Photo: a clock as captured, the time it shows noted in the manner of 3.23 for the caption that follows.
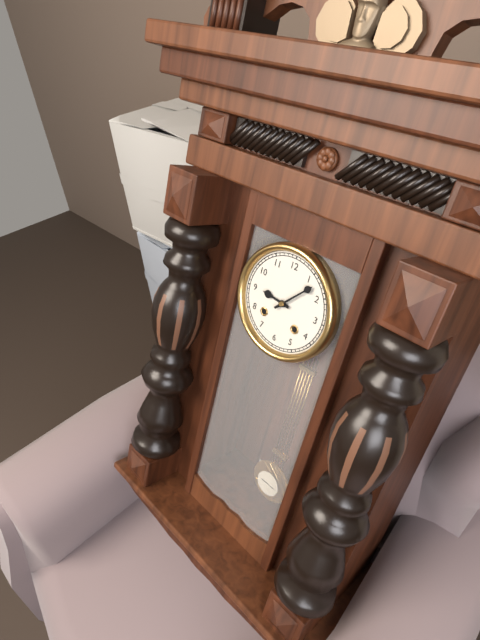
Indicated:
9.07
